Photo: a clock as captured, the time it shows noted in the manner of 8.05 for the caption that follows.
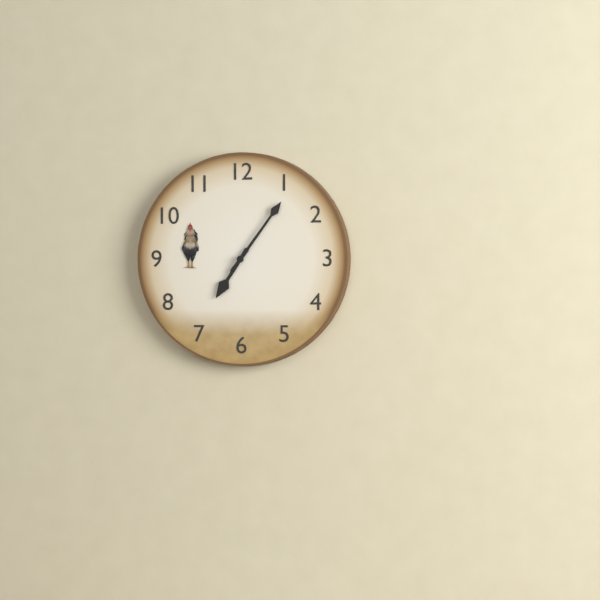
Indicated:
7.06
